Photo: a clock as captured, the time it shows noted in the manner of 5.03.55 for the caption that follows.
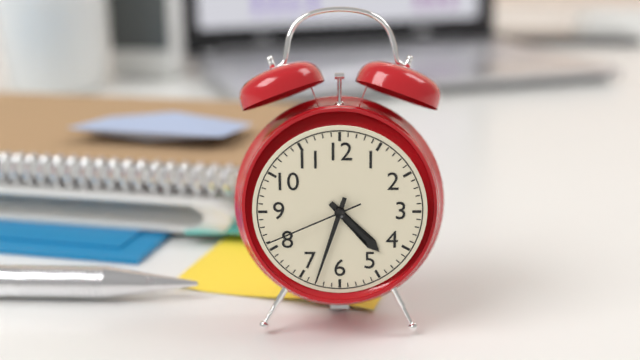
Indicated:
4.33.41
